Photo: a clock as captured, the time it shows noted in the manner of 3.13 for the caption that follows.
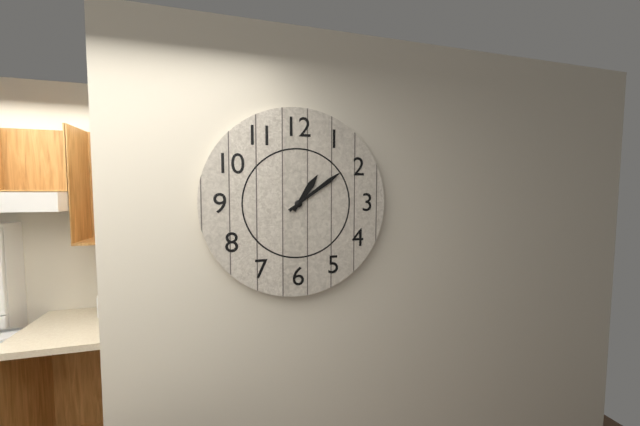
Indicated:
1.09
